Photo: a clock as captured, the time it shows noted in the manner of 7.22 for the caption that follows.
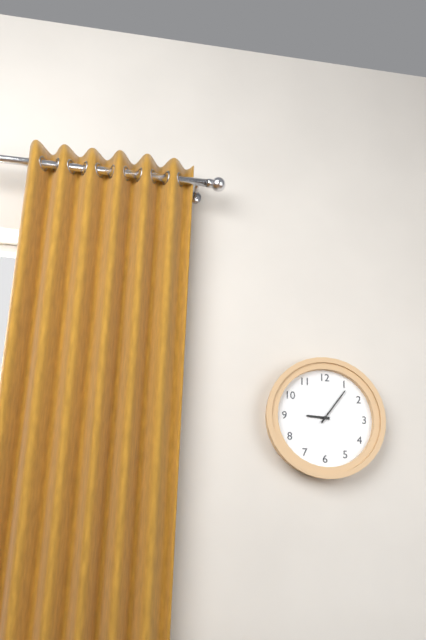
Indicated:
9.06
